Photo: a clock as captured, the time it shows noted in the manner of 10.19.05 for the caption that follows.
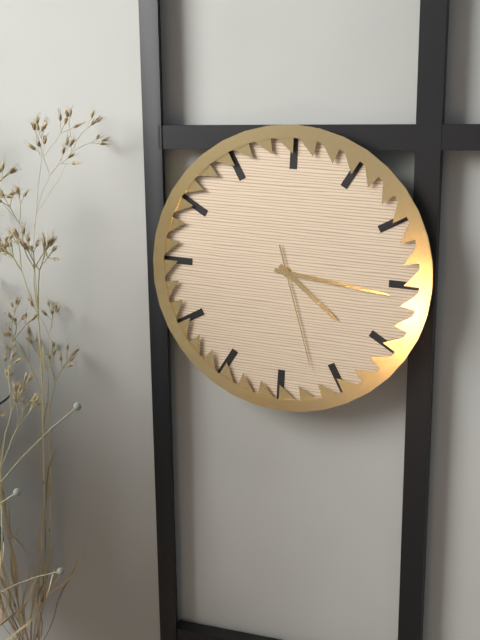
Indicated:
4.16.27
